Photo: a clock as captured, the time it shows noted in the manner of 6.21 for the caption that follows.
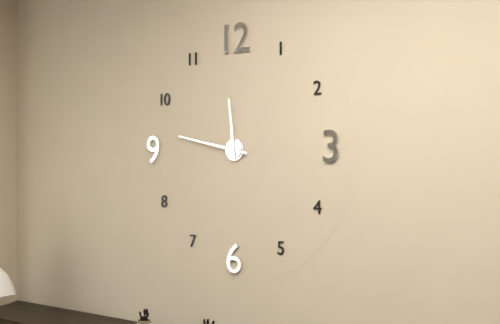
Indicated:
11.47
